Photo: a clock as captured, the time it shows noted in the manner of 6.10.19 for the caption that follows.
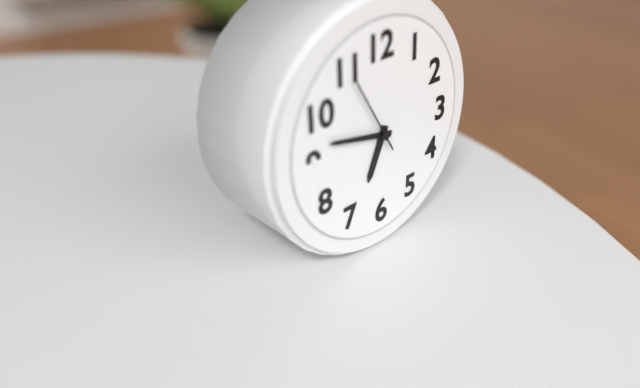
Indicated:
6.47.55
